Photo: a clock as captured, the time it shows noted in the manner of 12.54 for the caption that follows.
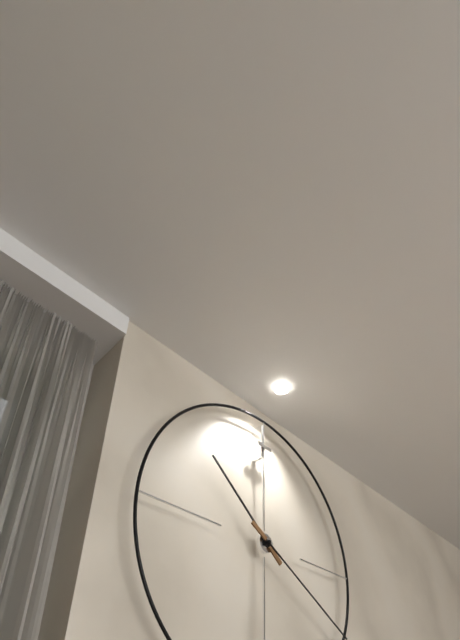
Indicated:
10.20
